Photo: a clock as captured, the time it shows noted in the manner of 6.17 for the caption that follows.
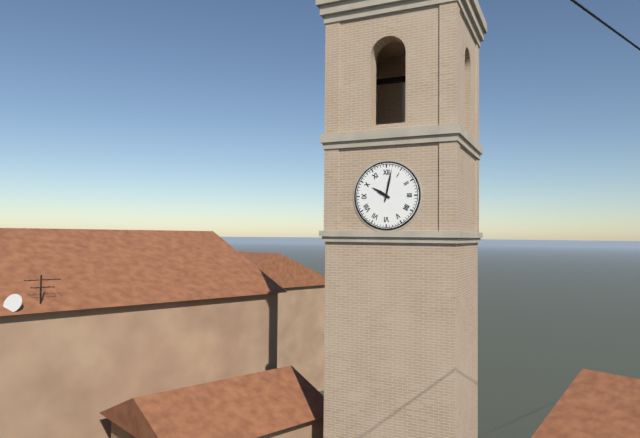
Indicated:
10.02
